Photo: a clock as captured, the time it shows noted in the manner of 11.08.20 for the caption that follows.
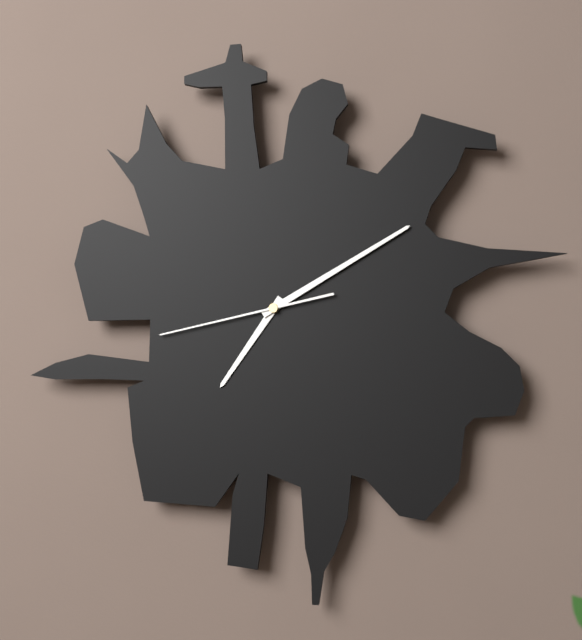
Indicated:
7.10.43
